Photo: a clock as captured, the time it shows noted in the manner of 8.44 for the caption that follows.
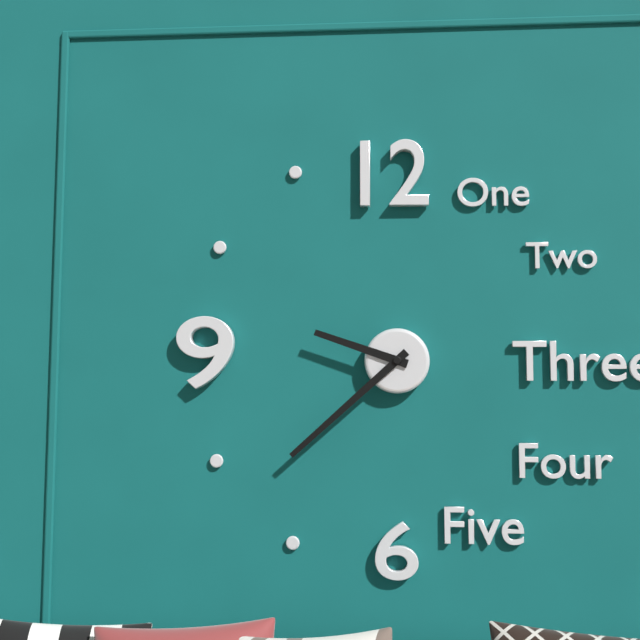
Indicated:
9.38
